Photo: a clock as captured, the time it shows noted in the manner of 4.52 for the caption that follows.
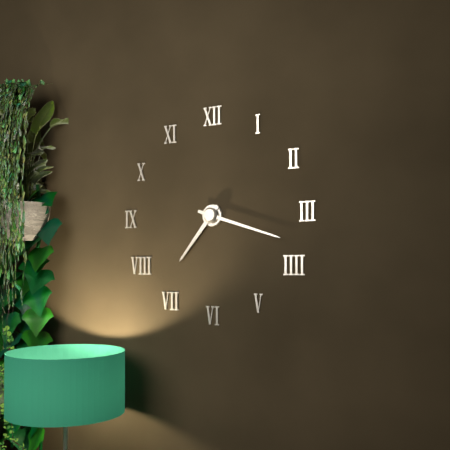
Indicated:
7.18
